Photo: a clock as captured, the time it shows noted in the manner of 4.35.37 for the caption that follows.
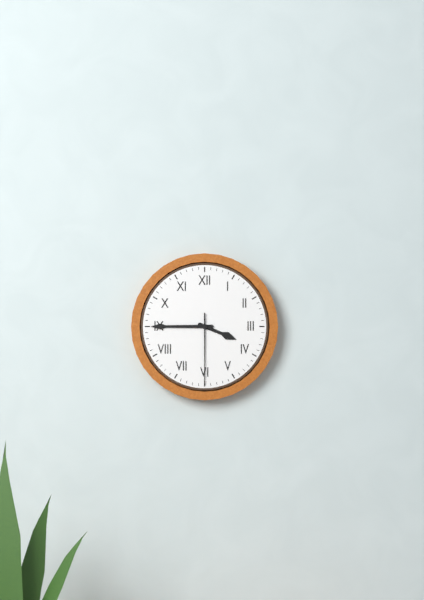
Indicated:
3.45.30
